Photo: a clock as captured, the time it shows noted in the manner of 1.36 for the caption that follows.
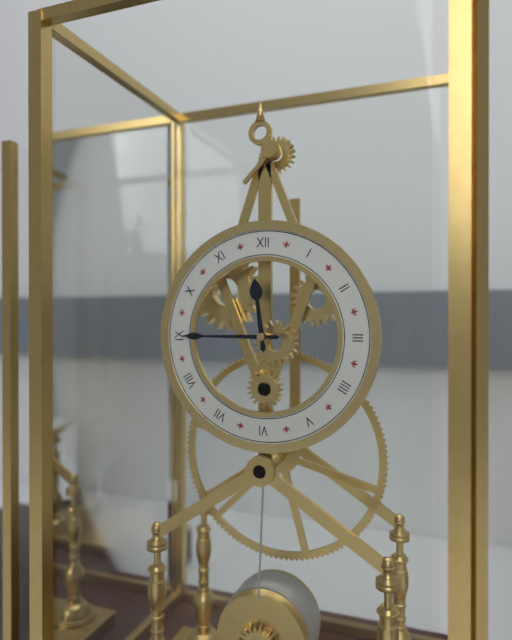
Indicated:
11.45
